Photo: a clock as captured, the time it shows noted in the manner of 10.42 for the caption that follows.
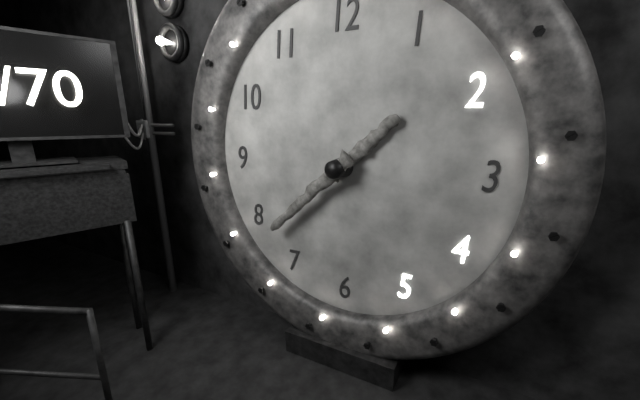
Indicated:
1.38
